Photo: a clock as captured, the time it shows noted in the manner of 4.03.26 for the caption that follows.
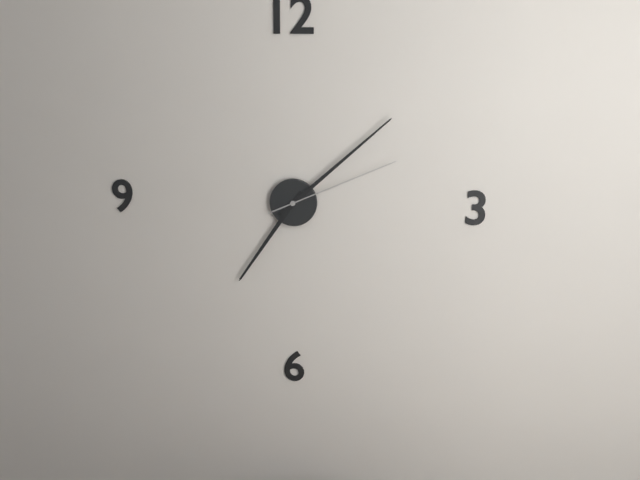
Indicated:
7.08.11
